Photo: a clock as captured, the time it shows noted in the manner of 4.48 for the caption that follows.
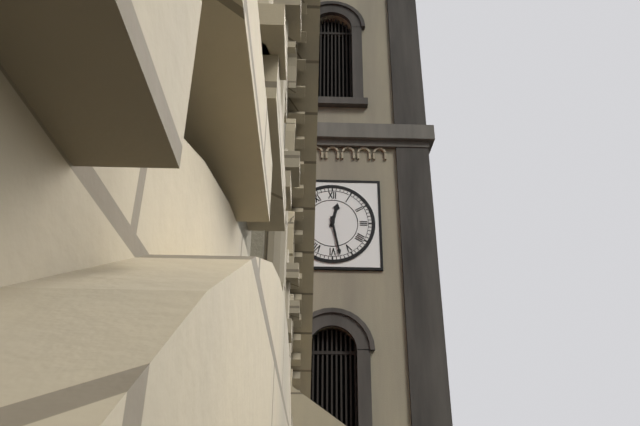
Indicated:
12.28
